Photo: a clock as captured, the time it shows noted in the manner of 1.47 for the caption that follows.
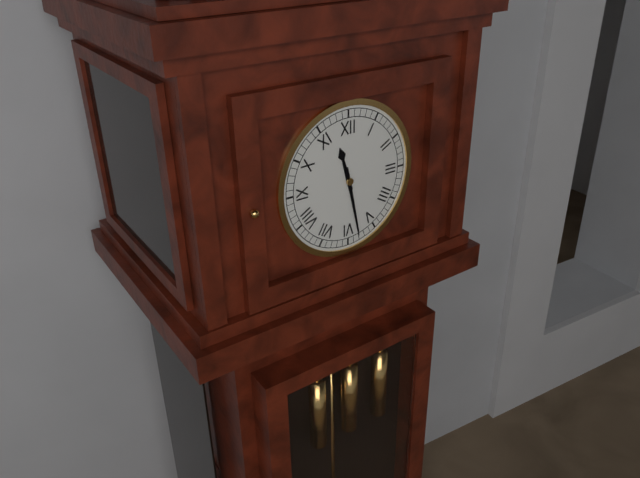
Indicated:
11.28
